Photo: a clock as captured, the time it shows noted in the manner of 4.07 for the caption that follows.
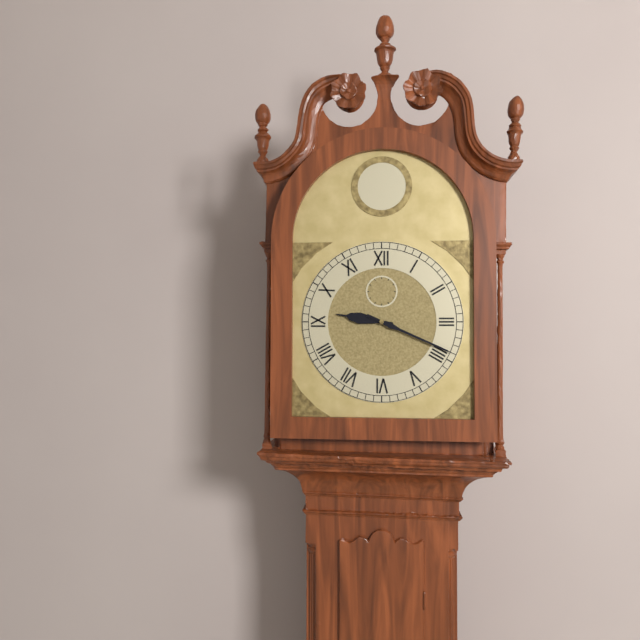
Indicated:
9.19
